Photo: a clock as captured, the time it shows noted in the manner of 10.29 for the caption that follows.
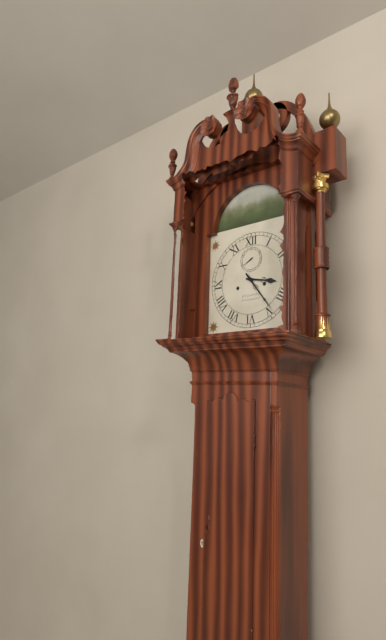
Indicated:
3.24
